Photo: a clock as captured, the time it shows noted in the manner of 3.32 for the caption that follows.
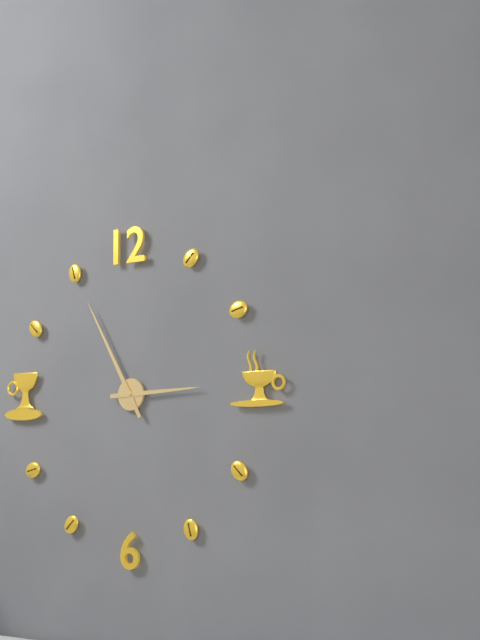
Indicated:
2.55
